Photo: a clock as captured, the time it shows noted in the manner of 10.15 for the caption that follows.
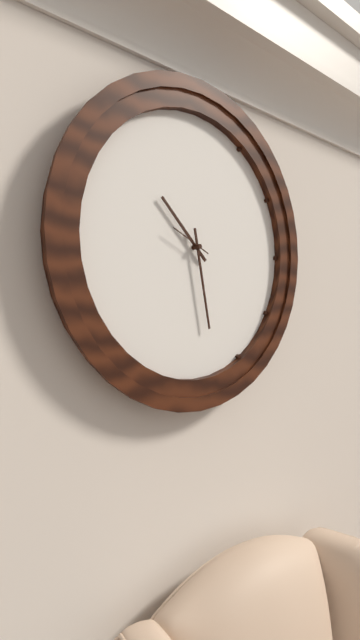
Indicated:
10.28
